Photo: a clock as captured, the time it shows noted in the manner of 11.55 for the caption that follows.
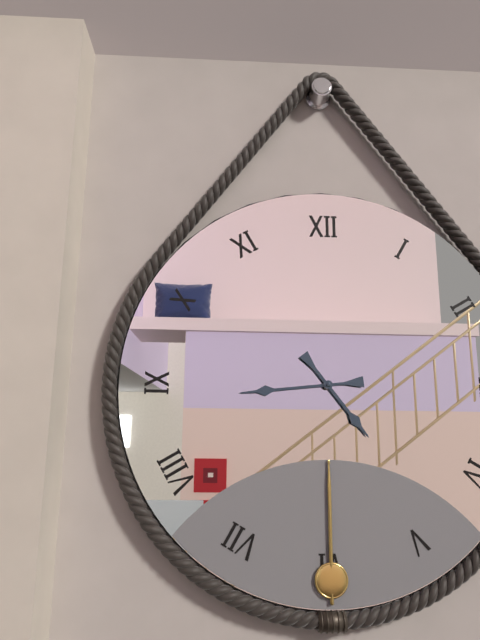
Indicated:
4.44
